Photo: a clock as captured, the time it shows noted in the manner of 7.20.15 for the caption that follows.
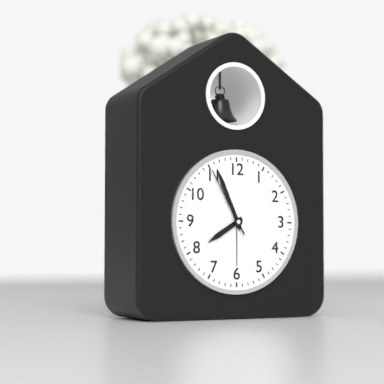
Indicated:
7.56.55
